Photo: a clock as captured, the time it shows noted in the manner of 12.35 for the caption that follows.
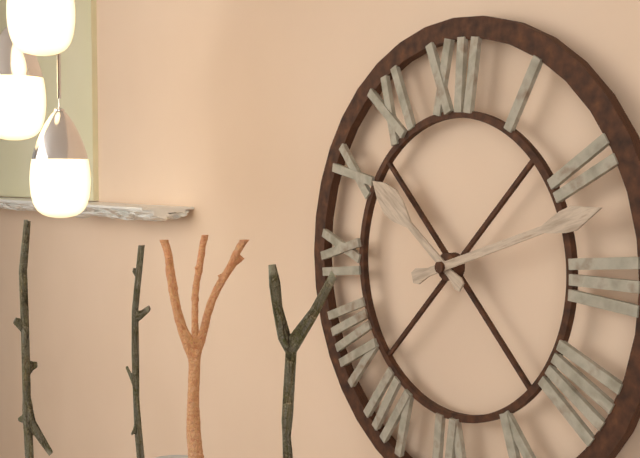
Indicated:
10.12
